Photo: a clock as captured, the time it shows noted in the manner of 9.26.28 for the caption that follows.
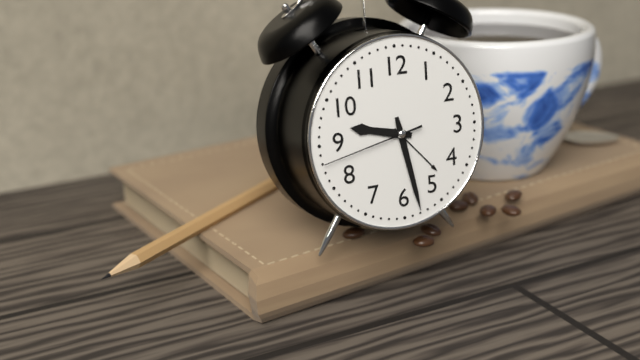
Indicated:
9.28.43
